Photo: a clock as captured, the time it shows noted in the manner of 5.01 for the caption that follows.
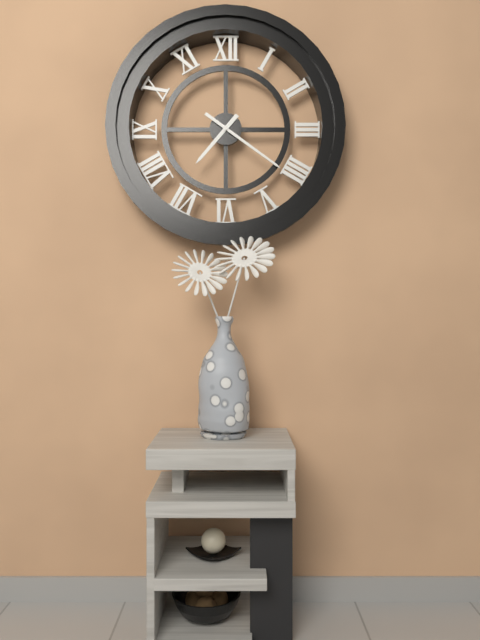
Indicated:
7.21
